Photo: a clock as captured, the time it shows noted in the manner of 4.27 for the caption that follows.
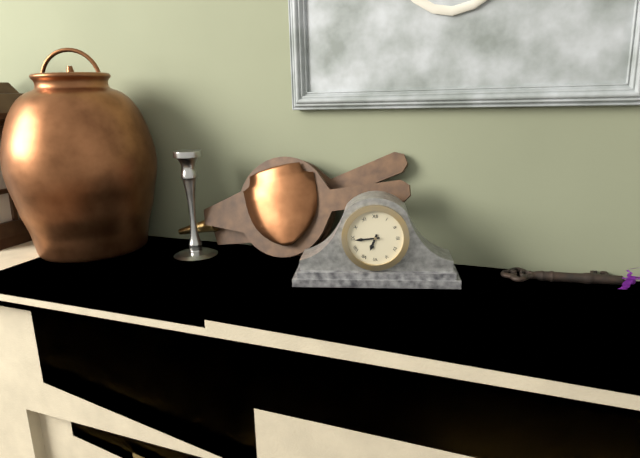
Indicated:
6.44
